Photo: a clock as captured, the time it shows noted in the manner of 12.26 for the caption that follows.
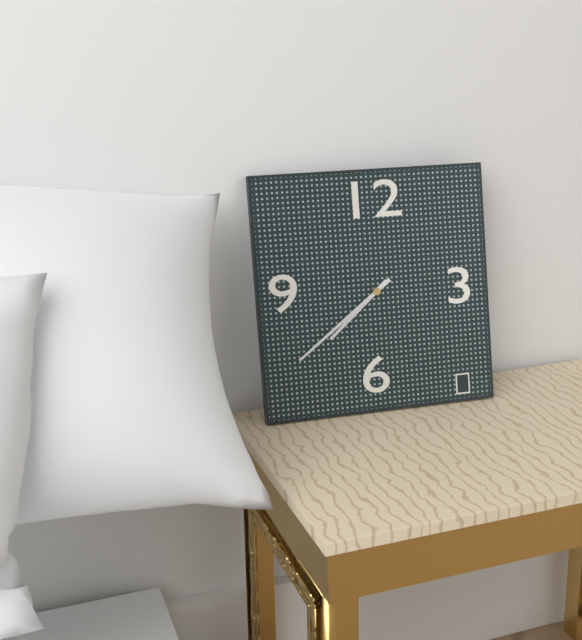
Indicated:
7.39
